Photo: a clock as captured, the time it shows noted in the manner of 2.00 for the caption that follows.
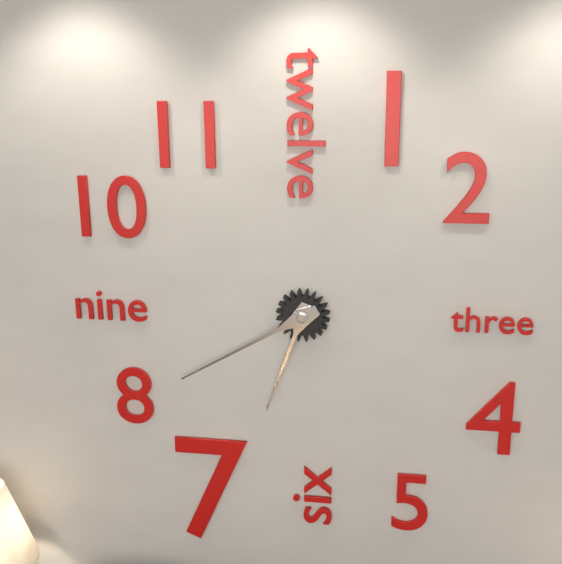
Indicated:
6.40
